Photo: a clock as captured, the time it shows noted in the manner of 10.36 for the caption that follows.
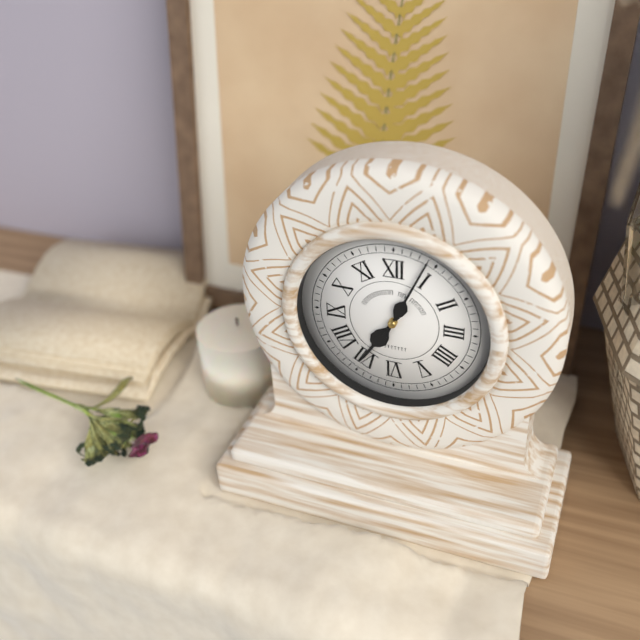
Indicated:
7.04
